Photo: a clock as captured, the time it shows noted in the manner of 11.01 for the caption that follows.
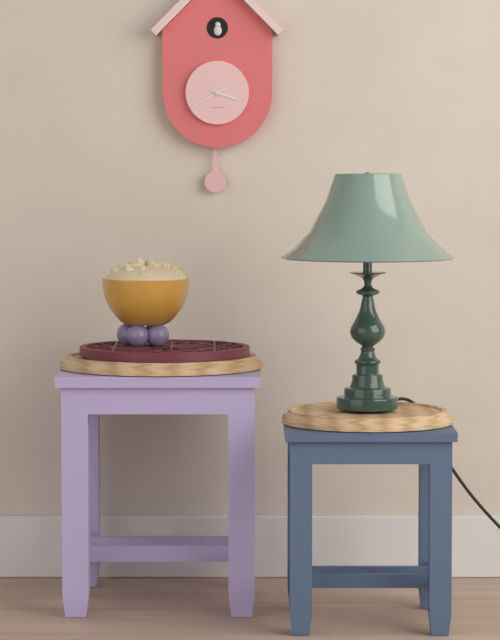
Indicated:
3.40
